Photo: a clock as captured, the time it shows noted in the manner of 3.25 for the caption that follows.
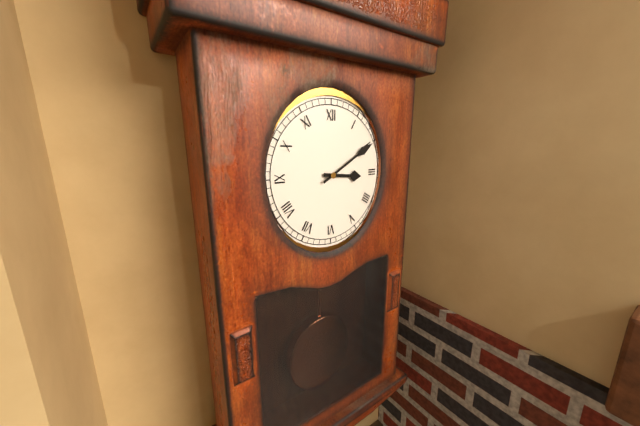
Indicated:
3.10
